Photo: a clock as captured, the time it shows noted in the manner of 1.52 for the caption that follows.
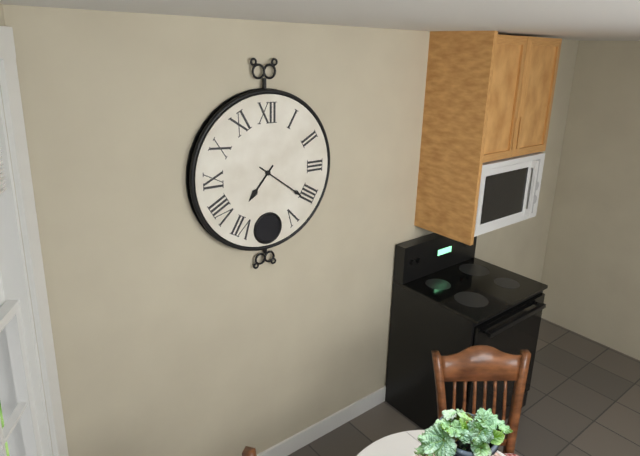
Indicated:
7.21
